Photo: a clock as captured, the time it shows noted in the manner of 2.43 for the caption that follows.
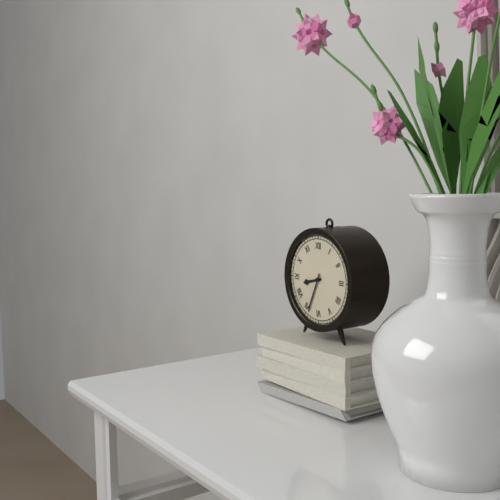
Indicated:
8.34
